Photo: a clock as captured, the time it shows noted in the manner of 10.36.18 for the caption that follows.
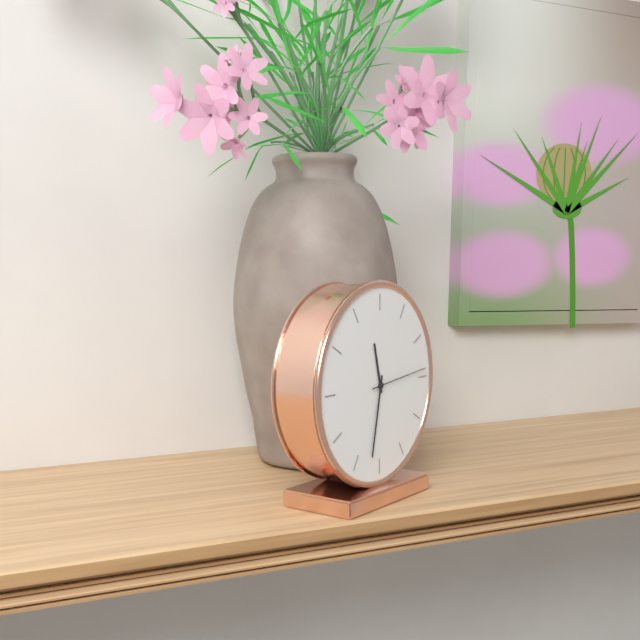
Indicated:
11.32.14
